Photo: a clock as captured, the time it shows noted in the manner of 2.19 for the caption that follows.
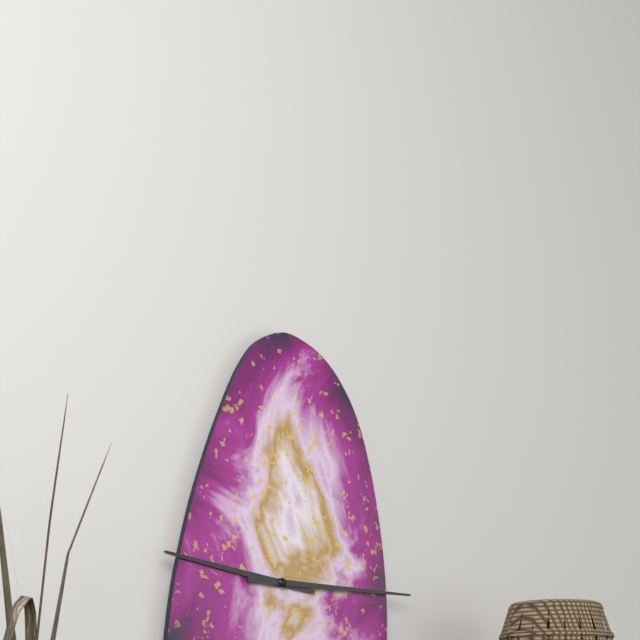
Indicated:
9.15
